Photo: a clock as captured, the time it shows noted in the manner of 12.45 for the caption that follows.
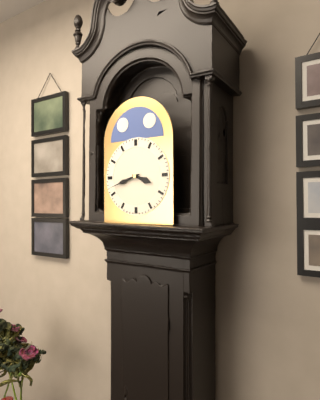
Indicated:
3.42
